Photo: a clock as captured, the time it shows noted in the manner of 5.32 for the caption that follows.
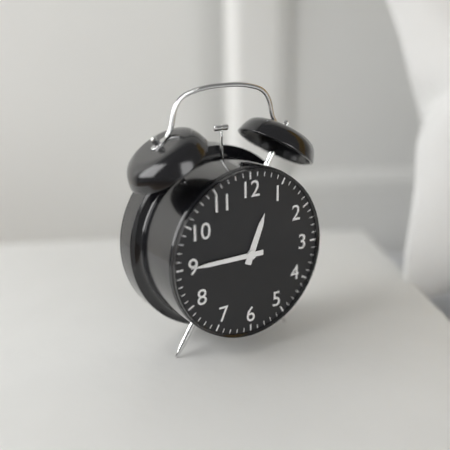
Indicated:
12.45
